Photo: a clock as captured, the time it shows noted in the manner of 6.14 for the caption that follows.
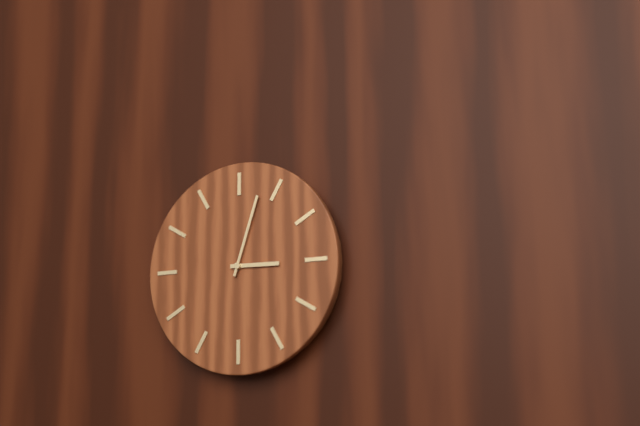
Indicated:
3.03
